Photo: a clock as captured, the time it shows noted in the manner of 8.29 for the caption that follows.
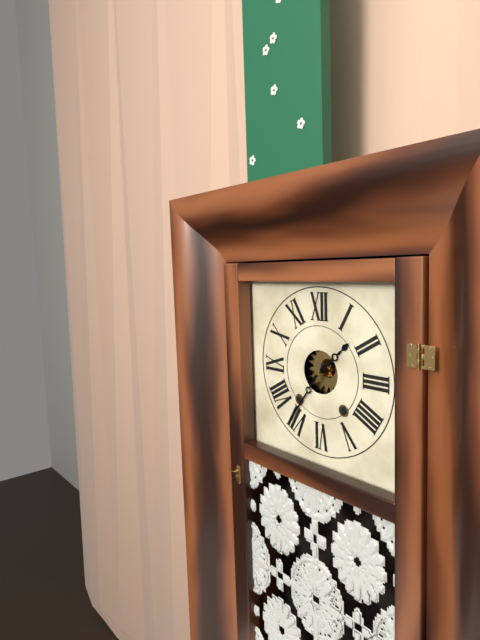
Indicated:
1.36
